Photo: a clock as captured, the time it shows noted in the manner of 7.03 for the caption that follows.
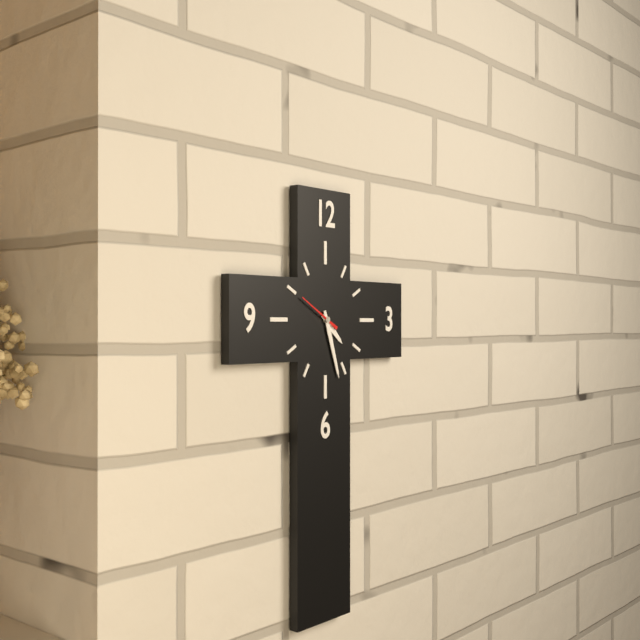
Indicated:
4.27
